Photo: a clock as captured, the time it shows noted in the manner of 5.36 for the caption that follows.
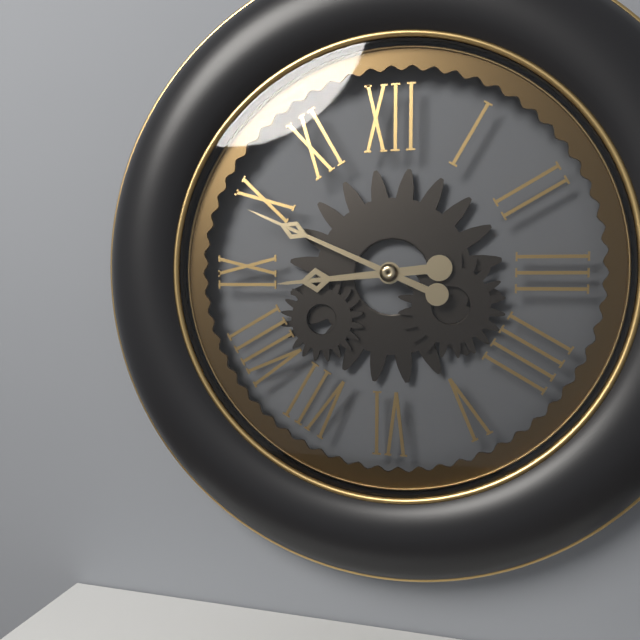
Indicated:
8.49
